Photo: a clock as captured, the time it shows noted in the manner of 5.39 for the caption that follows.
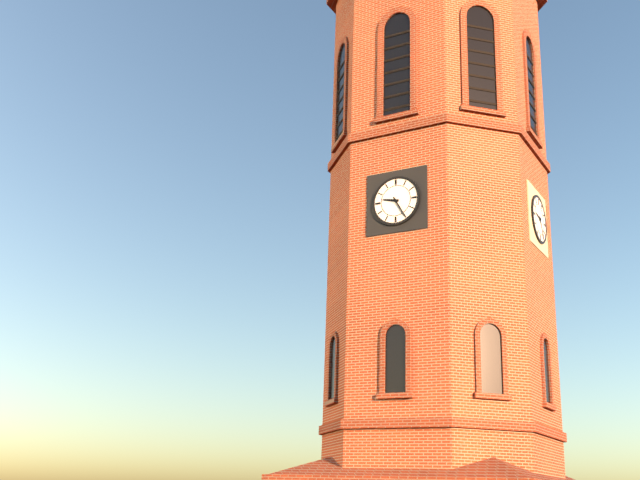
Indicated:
9.25
